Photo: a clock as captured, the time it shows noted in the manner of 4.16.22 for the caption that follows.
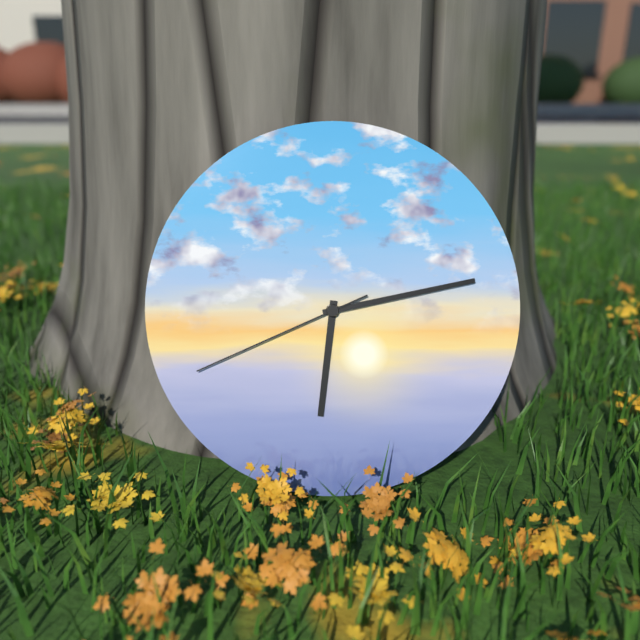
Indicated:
6.13.41
